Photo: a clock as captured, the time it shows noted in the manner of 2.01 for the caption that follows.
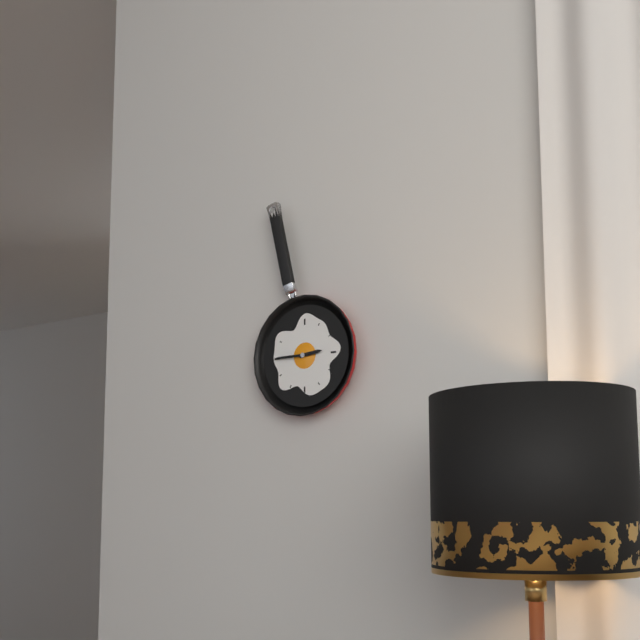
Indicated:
2.45
